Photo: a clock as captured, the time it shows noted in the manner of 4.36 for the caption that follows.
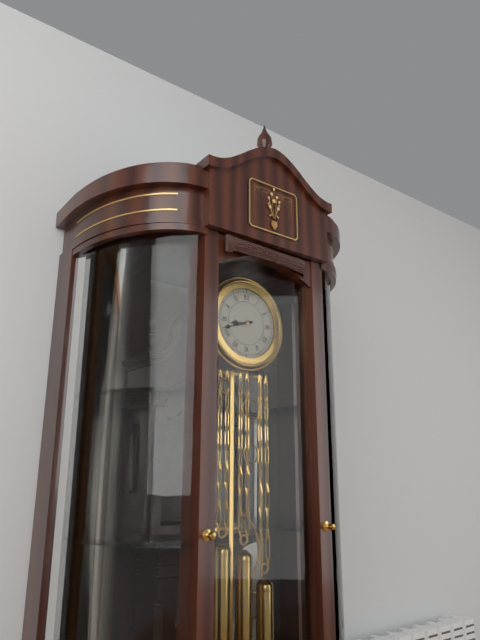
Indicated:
8.42
